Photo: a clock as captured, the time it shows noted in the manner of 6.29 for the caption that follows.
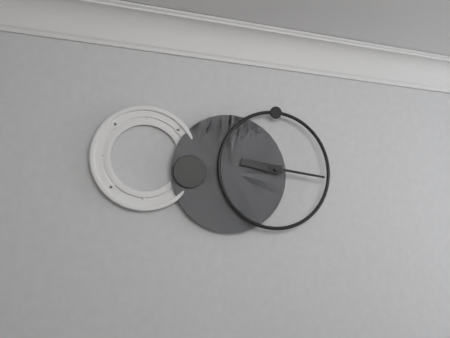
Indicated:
9.16
